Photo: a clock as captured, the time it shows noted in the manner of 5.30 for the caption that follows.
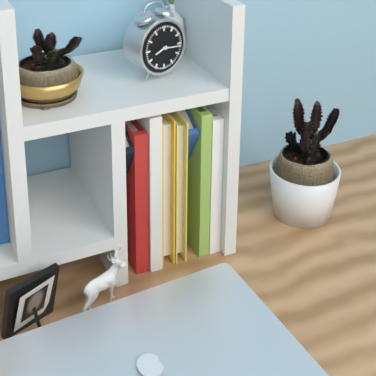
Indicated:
8.16
